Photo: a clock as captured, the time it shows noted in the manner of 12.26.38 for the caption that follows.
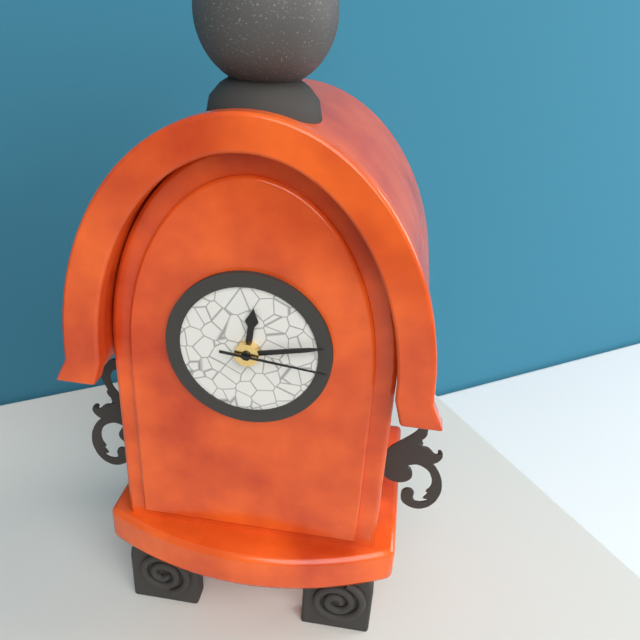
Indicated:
12.13.16
